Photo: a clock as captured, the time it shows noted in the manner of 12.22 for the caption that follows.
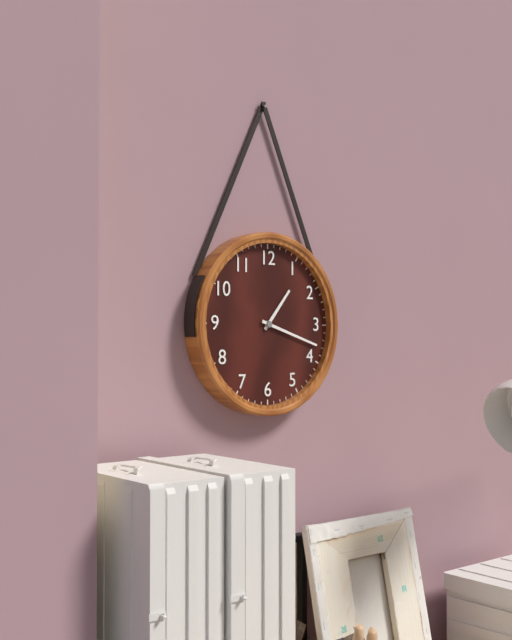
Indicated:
1.18
